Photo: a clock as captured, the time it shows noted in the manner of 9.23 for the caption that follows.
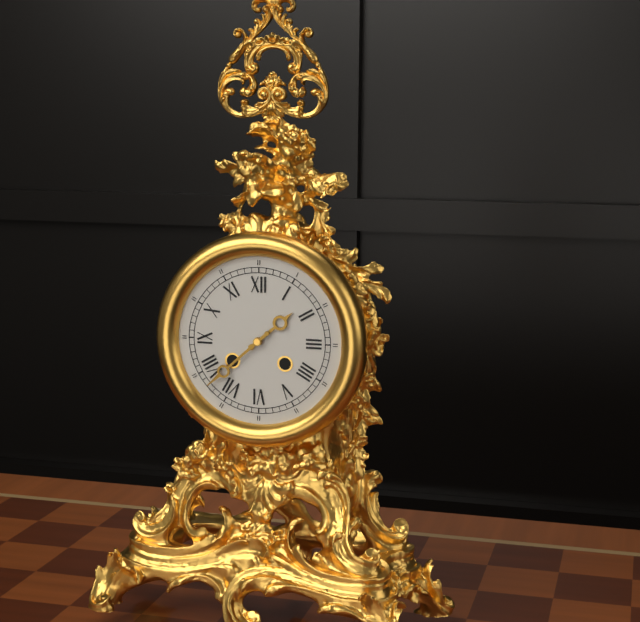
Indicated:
1.38
